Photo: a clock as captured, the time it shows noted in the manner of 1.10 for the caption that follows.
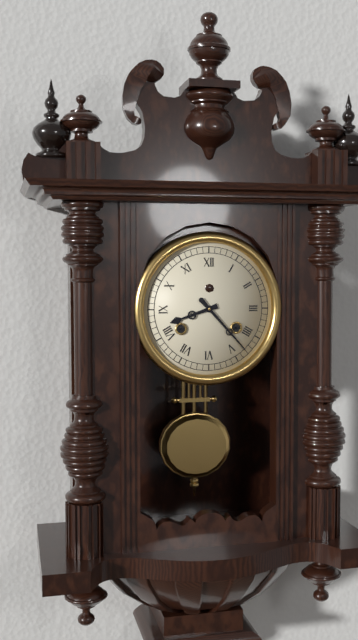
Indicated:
8.23
